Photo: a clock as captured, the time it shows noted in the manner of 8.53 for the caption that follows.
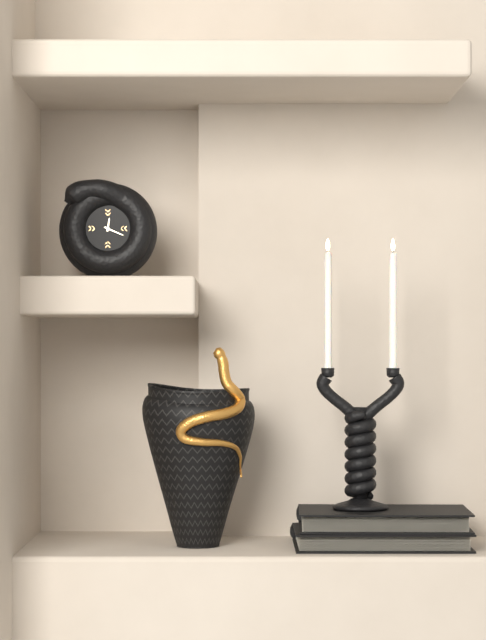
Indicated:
12.19
